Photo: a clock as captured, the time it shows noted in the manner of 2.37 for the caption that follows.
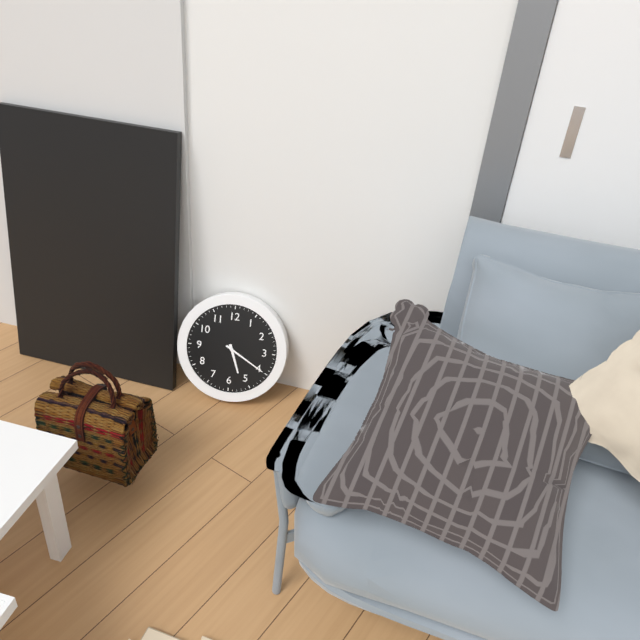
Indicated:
5.20
